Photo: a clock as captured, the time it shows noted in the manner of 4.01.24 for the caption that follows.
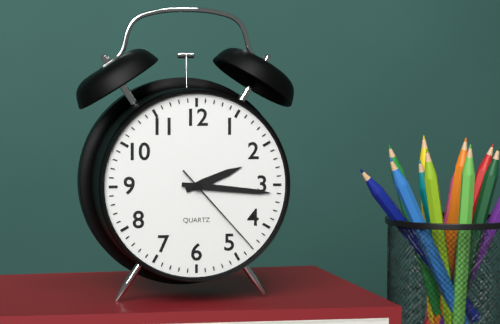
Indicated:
2.16.23
